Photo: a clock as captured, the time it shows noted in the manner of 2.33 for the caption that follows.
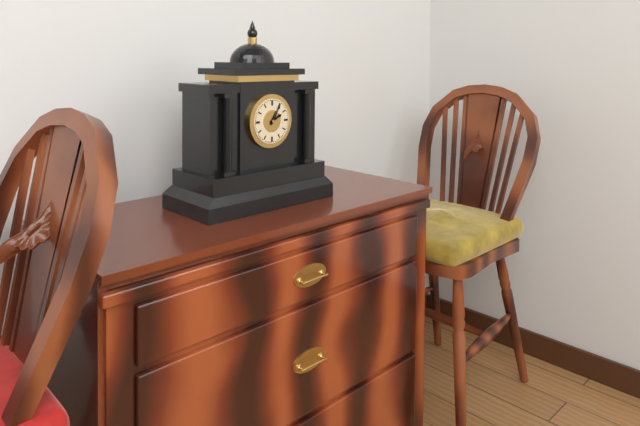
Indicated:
2.05
